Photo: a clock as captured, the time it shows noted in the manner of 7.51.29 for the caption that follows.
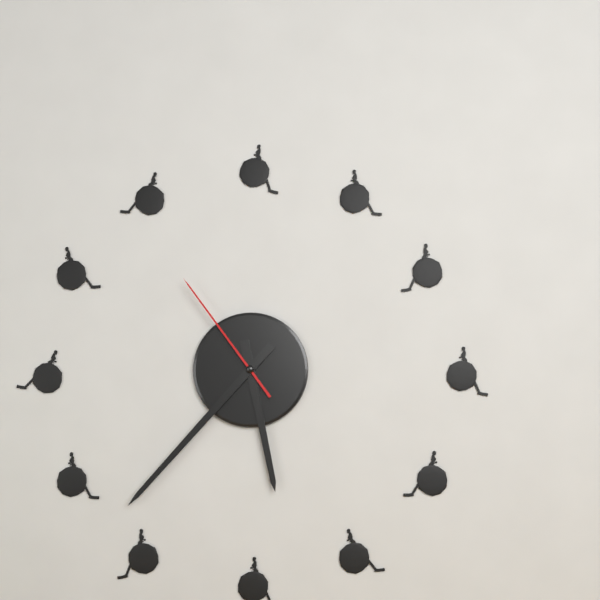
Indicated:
5.37.54
